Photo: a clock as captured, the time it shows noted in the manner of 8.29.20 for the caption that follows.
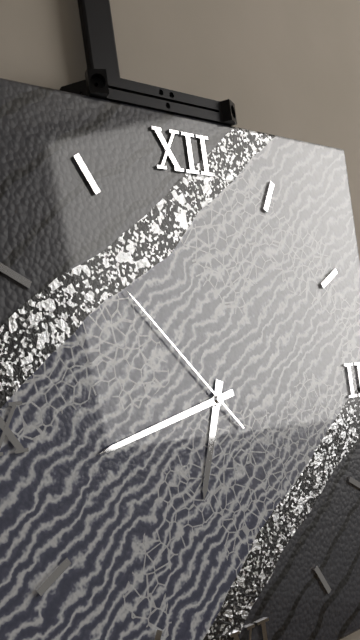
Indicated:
6.43.53
